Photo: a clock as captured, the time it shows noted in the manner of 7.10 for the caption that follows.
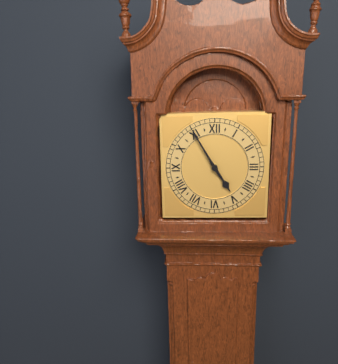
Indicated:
4.55
